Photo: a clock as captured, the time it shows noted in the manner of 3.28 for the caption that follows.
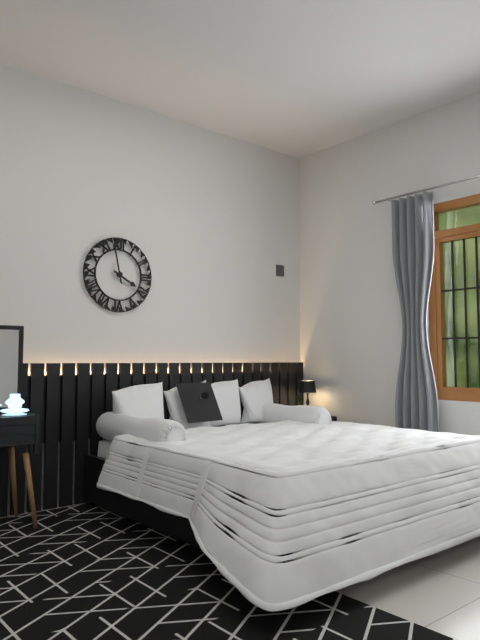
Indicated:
3.58
